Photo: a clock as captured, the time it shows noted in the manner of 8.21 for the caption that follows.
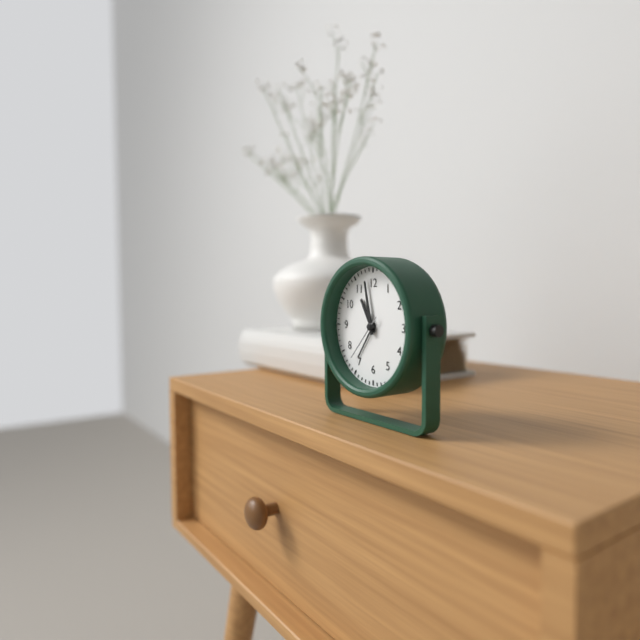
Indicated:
10.58
